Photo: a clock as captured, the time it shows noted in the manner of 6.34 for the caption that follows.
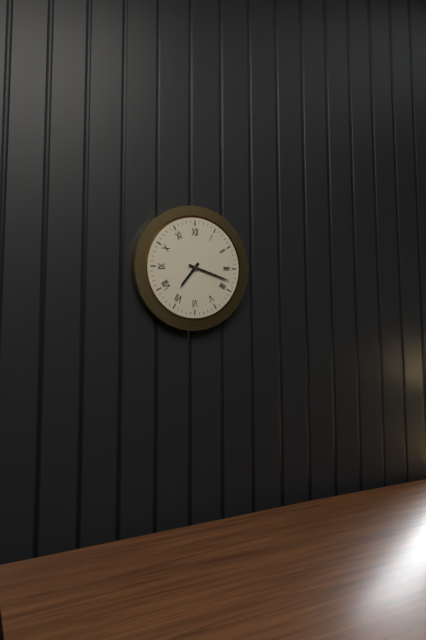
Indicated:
7.18
